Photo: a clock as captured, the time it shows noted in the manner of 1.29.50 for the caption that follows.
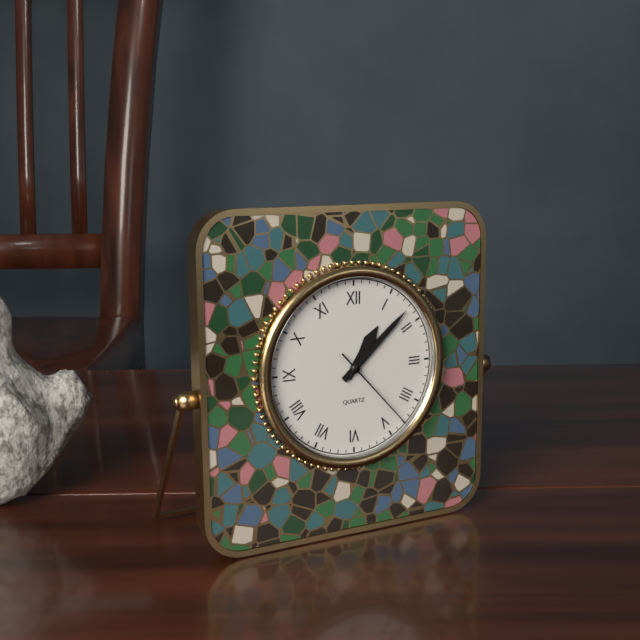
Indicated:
1.08.23
